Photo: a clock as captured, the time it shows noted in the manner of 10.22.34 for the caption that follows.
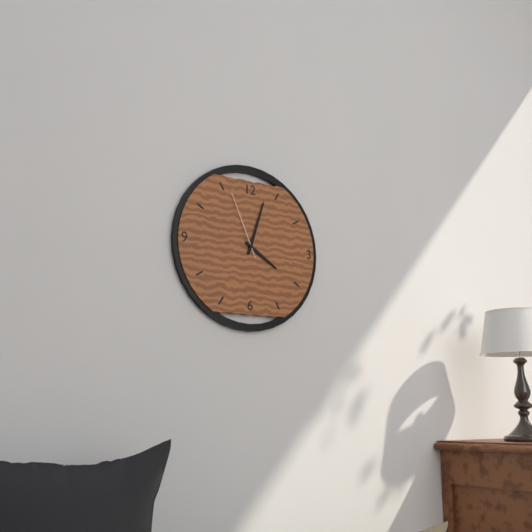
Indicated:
4.03.56
